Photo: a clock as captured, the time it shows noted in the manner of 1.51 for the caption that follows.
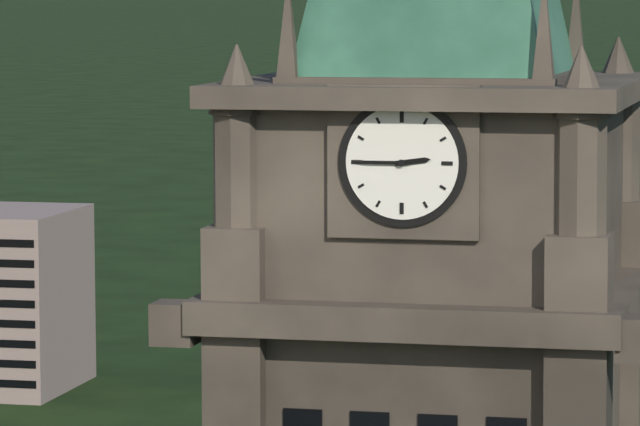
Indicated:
2.45
